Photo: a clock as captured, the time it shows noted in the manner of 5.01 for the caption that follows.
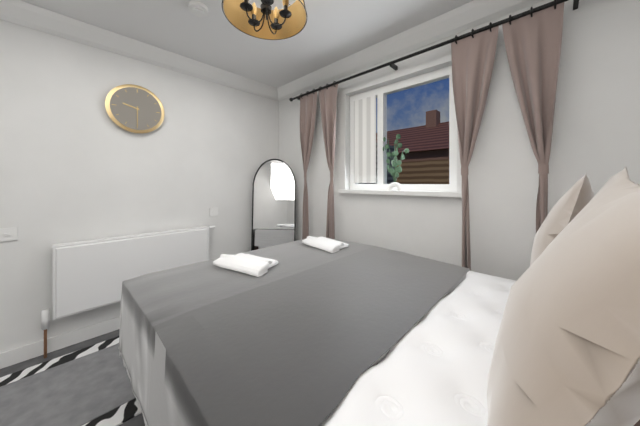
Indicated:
9.30
